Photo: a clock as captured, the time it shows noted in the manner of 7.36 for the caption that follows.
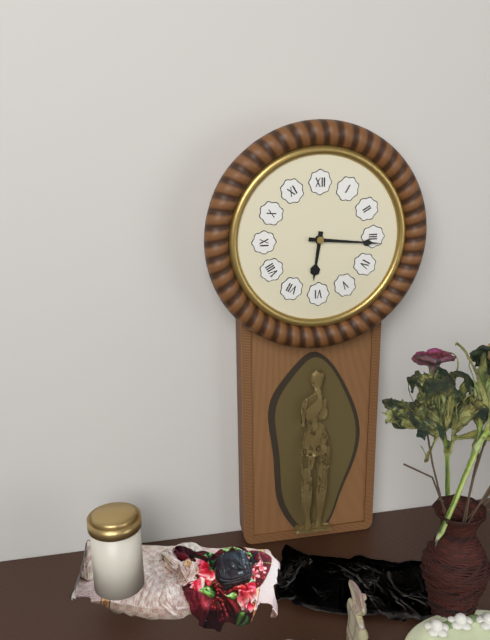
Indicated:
6.16
